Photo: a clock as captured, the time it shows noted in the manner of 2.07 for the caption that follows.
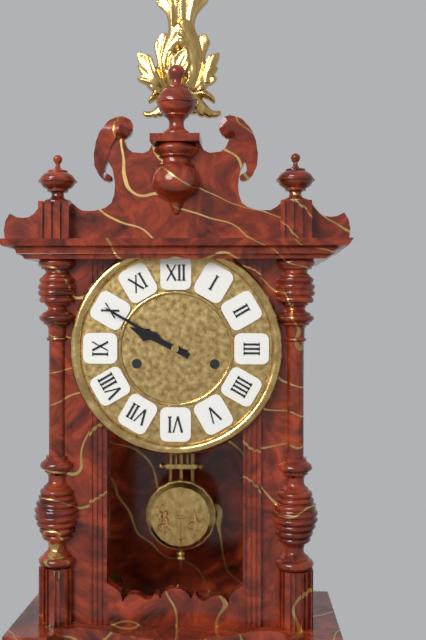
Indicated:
9.50
